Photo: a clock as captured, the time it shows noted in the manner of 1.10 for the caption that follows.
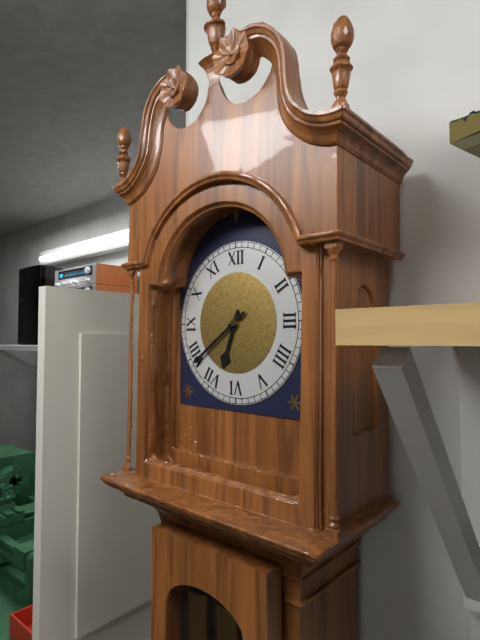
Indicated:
6.39
